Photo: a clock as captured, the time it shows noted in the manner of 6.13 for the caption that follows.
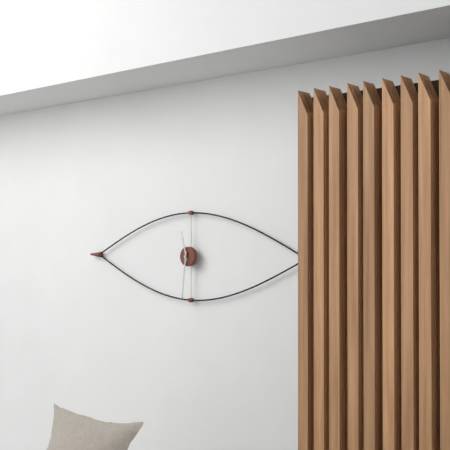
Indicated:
11.31
